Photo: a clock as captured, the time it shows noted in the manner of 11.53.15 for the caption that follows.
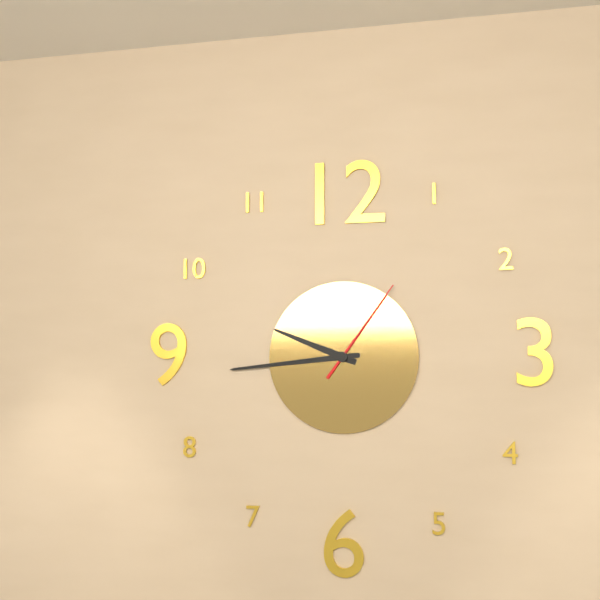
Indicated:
9.44.06
